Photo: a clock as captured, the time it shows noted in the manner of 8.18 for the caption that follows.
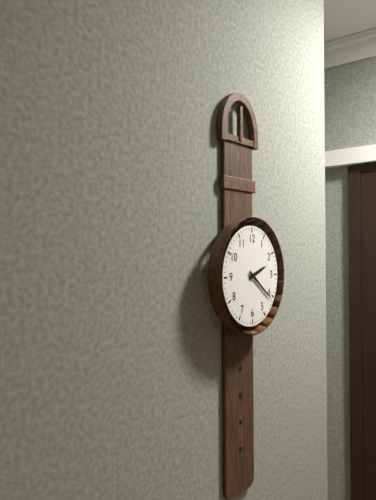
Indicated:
2.21
